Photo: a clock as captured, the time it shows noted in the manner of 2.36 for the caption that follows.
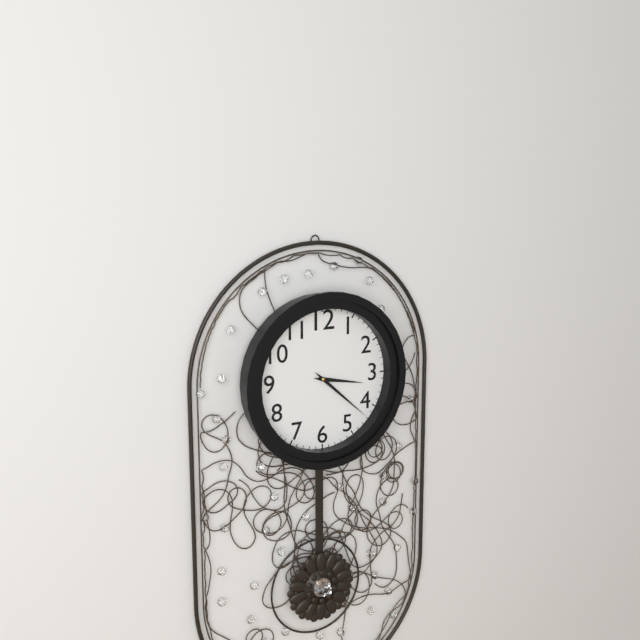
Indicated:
3.22
